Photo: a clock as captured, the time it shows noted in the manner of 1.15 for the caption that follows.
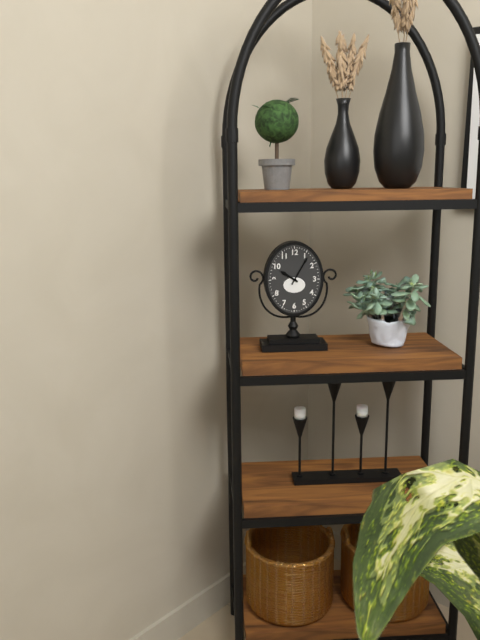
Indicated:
10.05
